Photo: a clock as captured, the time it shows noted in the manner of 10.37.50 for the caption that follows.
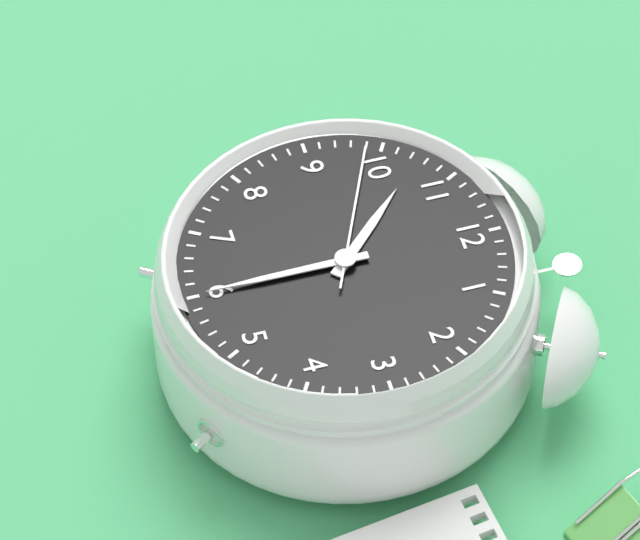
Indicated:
10.30.49
